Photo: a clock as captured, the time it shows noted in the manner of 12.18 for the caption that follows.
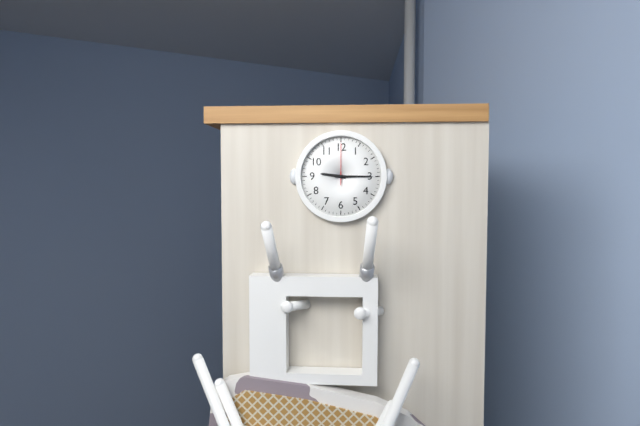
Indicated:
9.15
